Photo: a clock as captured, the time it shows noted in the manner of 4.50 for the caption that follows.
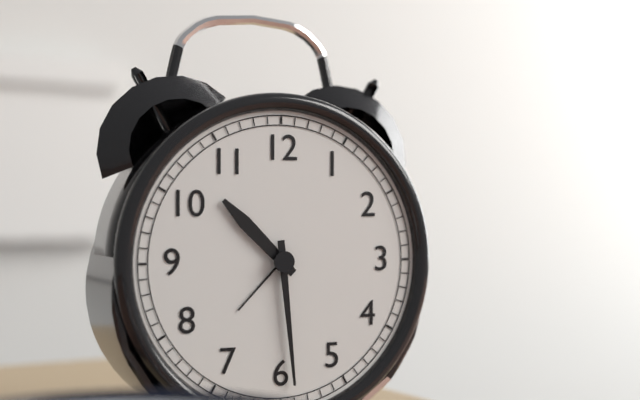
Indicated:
10.29
